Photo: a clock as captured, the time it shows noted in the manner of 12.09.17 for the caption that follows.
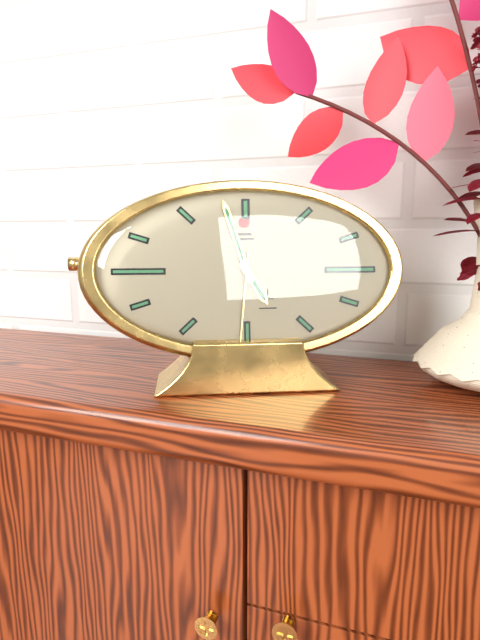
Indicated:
4.57.31
